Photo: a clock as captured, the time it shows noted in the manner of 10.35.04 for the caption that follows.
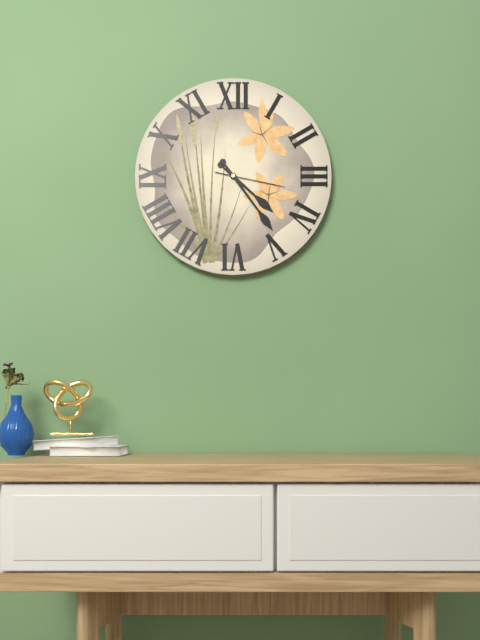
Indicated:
4.24.17
